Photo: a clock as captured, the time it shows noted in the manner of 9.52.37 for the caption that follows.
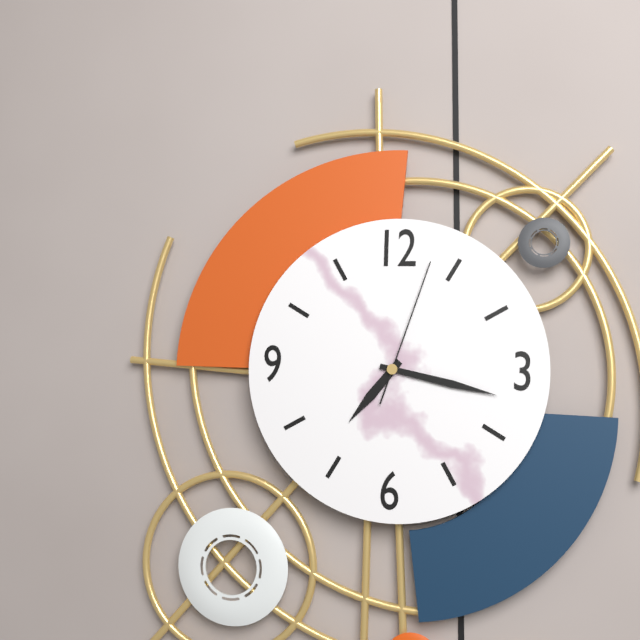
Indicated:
7.17.03
